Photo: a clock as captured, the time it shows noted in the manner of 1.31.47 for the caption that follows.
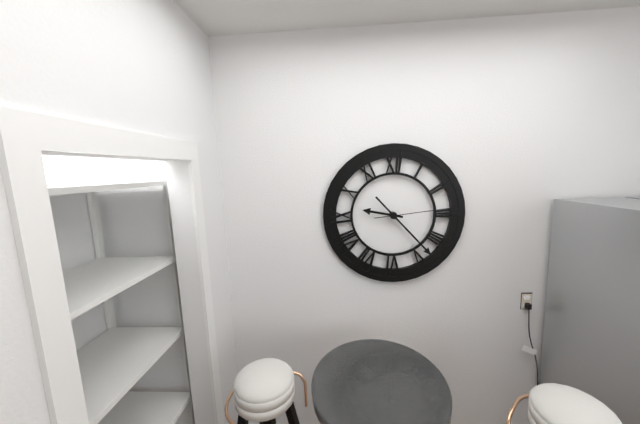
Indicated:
9.23.14
